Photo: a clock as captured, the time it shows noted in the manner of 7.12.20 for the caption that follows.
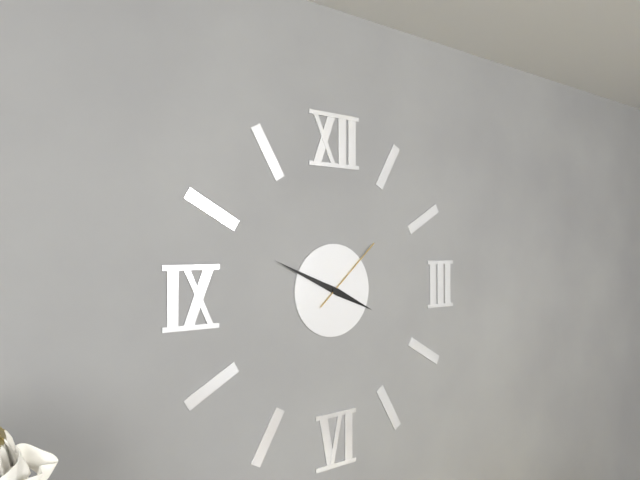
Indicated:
3.49.08
